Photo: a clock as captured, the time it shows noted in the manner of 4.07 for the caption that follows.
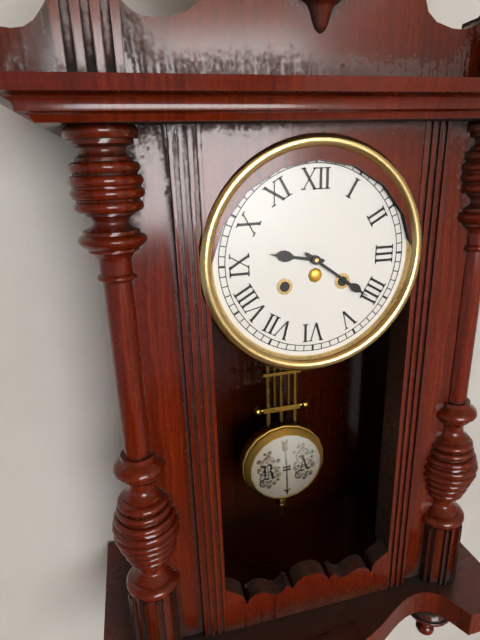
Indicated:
9.21
